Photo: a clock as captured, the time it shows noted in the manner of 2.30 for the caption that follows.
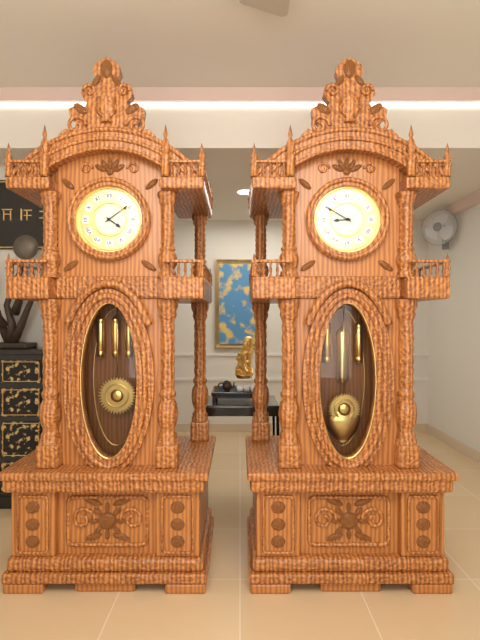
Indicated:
4.09
